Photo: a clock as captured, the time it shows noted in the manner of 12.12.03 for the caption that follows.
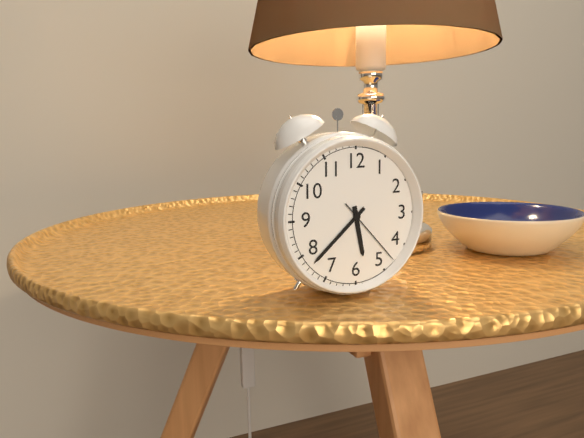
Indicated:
5.38.23
